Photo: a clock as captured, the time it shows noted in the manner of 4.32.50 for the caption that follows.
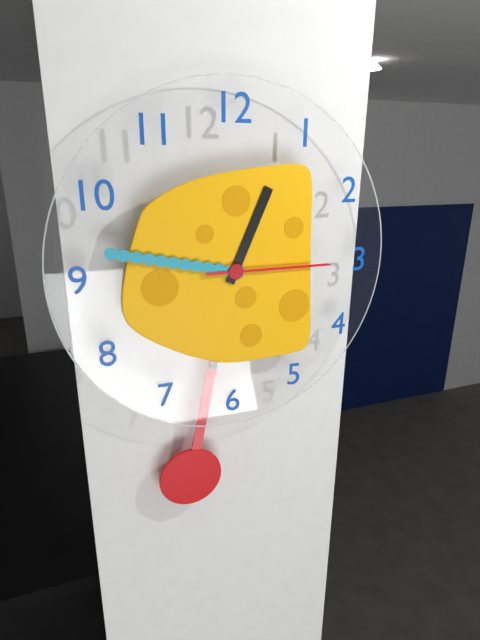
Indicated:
12.47.15
